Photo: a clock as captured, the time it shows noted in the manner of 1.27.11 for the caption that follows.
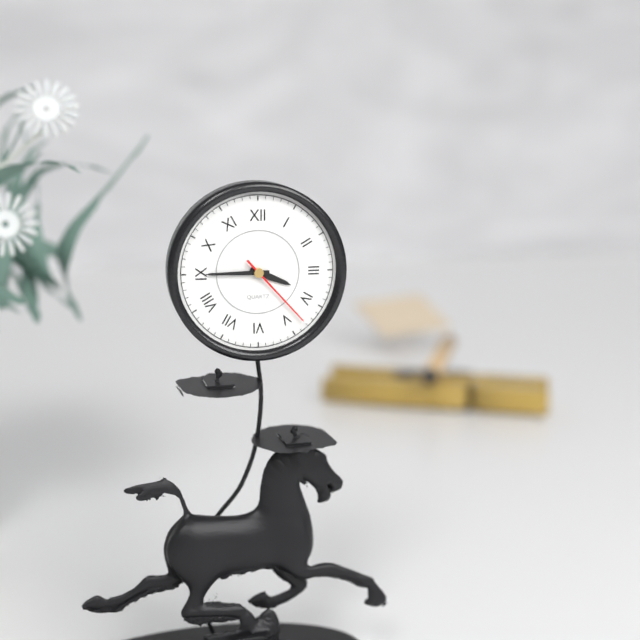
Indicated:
3.45.23
